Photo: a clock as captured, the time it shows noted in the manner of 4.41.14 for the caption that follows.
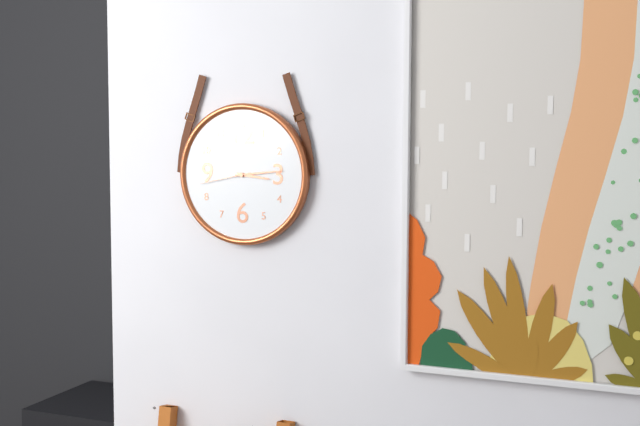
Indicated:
3.14.43
